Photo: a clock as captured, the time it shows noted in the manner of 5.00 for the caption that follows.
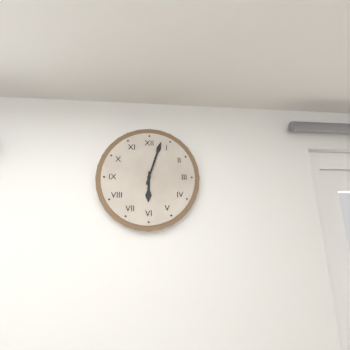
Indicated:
6.03
